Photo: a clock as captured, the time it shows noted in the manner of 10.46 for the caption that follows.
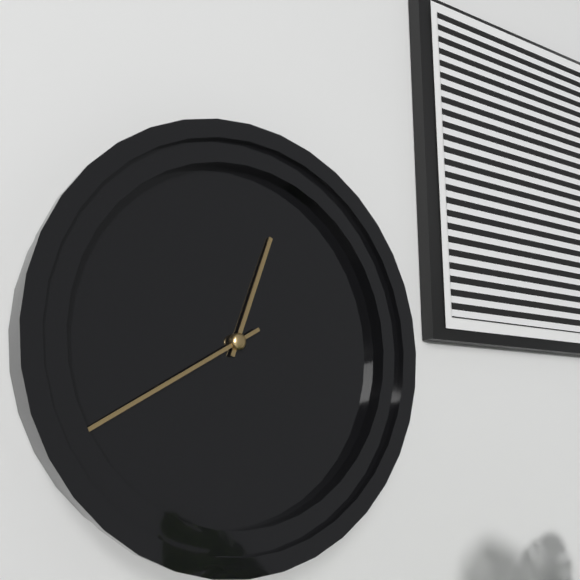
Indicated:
12.40
